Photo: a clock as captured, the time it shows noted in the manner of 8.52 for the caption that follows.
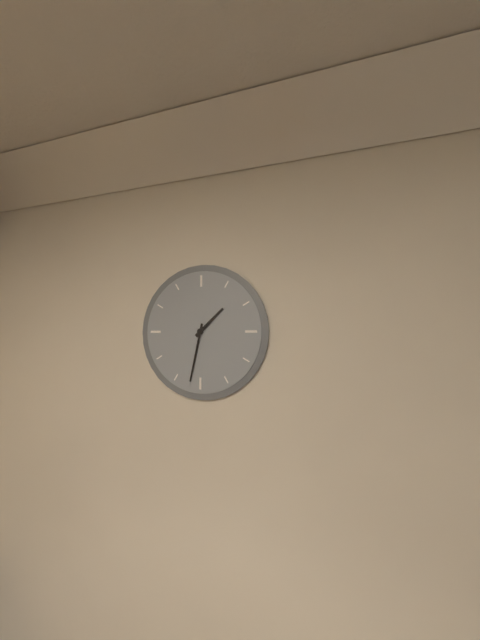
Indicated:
1.32
